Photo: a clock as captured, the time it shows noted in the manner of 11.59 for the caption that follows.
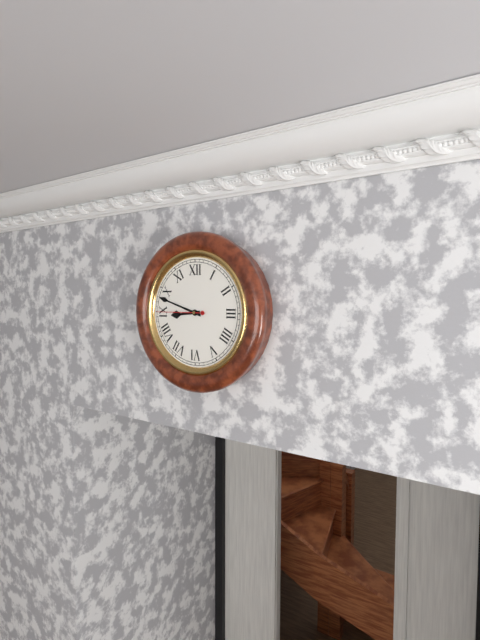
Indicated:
8.48
